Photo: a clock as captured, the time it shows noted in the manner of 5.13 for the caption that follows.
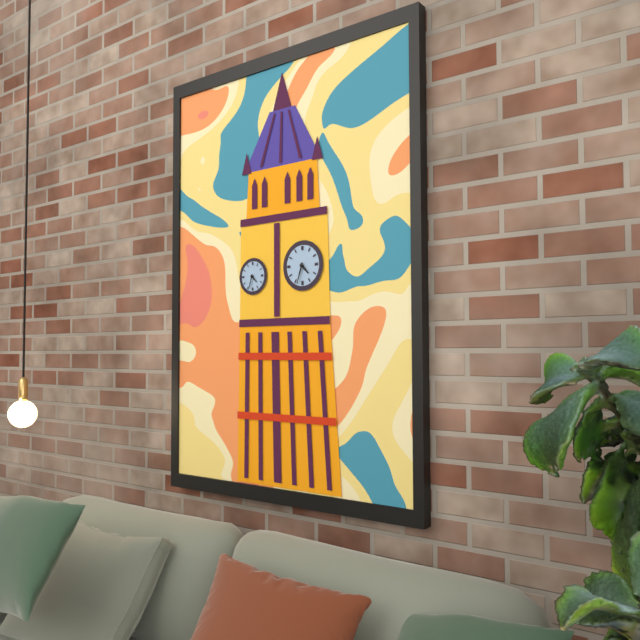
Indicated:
4.33
